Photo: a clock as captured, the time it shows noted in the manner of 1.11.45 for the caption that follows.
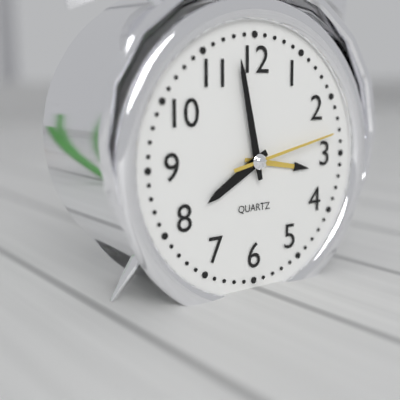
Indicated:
7.58.13
